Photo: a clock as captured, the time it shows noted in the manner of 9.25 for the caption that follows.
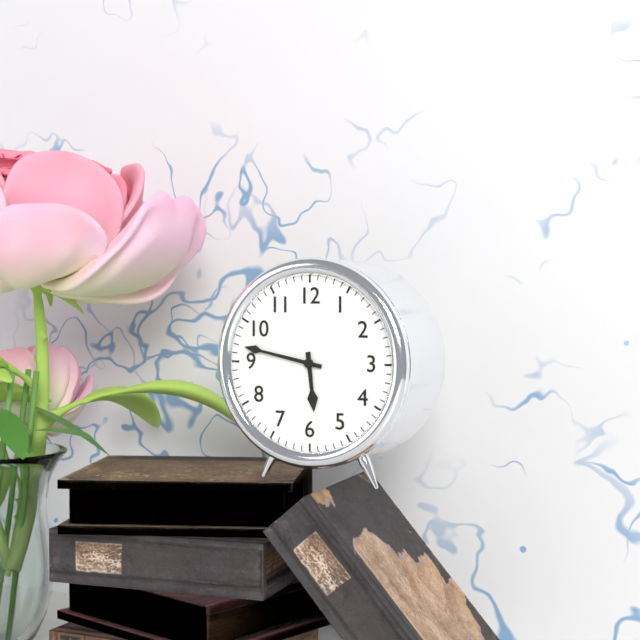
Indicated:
5.47
